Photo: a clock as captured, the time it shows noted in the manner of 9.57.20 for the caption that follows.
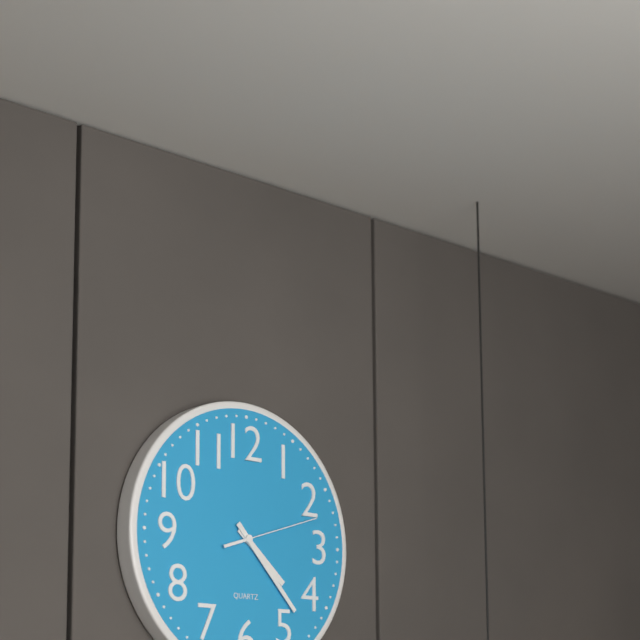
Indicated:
4.23.12
